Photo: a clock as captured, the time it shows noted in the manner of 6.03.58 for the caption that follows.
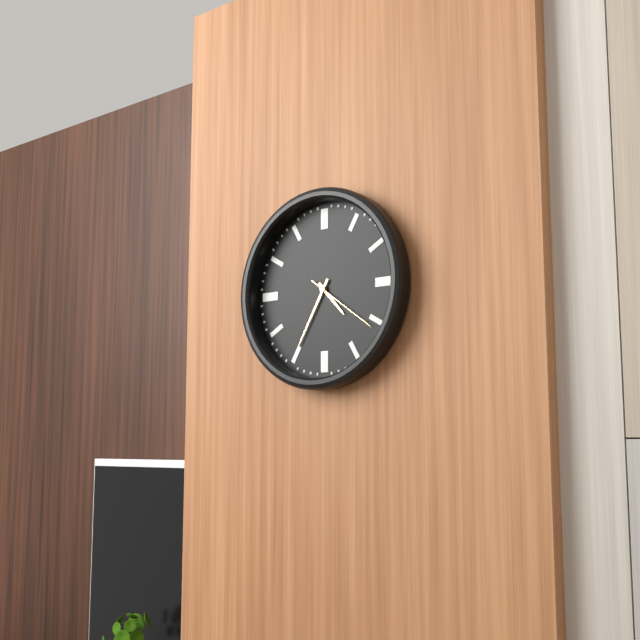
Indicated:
4.35.21
